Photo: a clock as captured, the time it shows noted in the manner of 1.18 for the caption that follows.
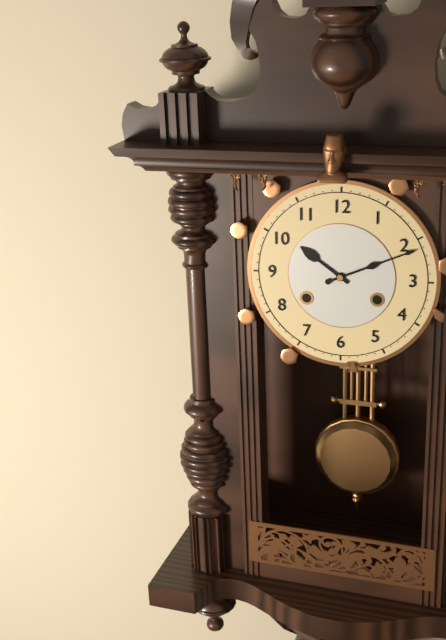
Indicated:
10.11
